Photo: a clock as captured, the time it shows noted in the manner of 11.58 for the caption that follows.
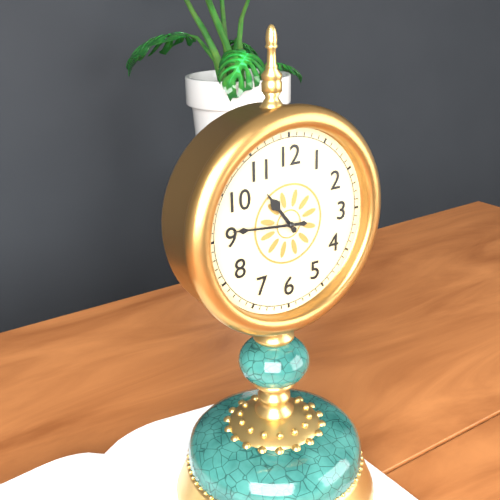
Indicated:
10.46
